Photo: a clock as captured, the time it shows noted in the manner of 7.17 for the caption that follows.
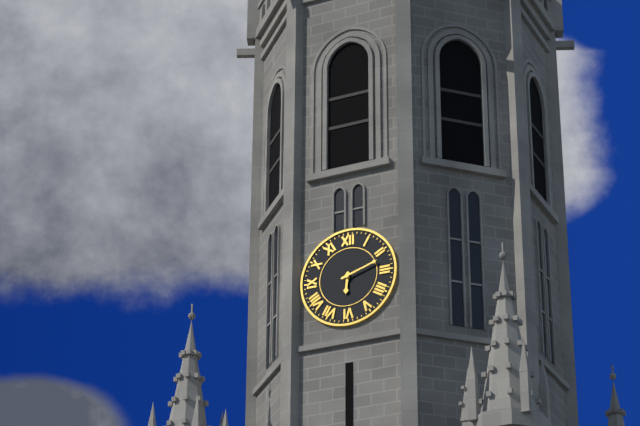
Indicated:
6.12
